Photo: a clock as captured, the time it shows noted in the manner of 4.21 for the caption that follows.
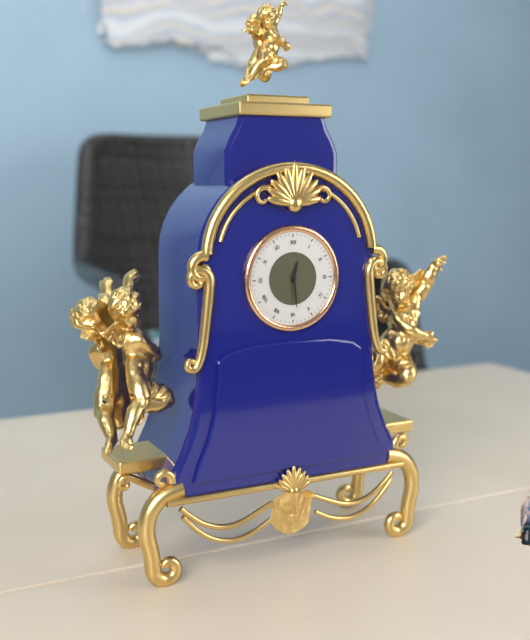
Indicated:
12.29
